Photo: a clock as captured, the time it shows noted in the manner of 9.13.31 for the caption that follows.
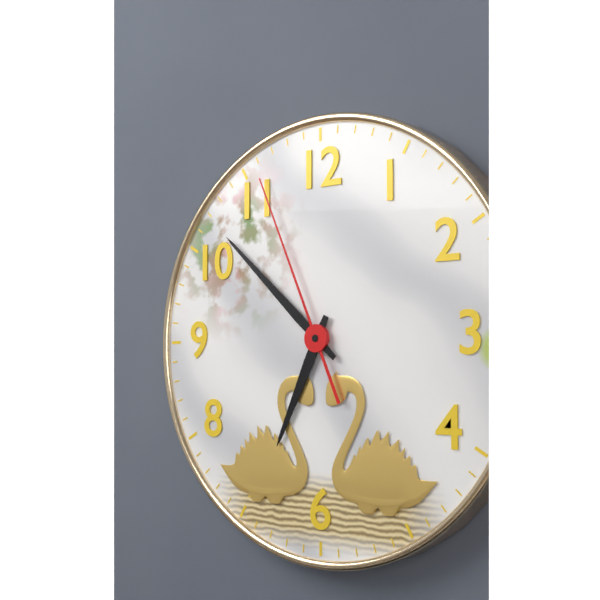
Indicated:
6.52.56
